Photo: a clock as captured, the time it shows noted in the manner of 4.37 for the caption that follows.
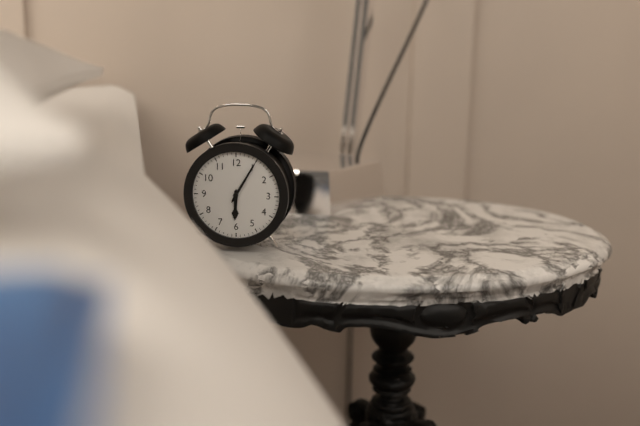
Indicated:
6.05
